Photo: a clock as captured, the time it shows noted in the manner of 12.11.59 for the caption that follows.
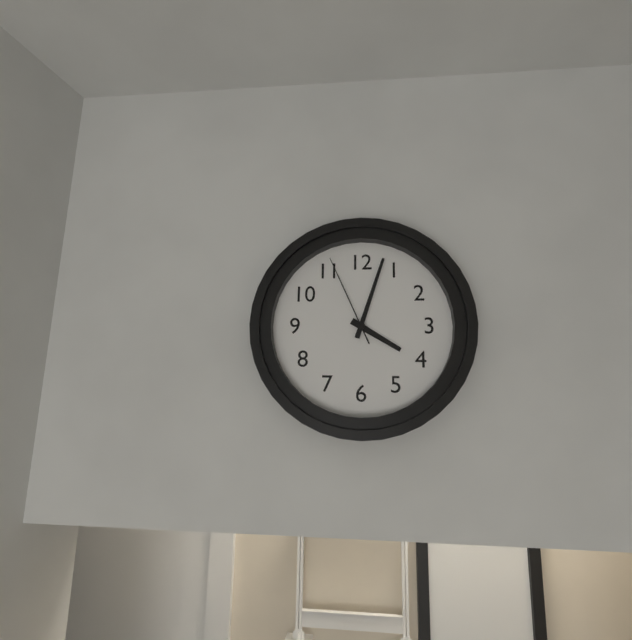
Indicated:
4.03.56
